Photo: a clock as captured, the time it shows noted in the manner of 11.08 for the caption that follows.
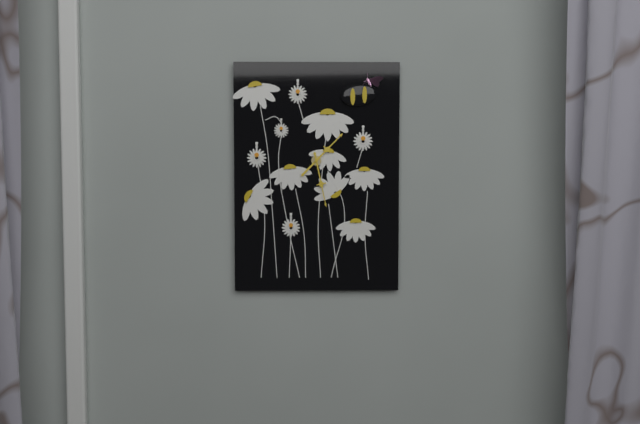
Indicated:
1.28
